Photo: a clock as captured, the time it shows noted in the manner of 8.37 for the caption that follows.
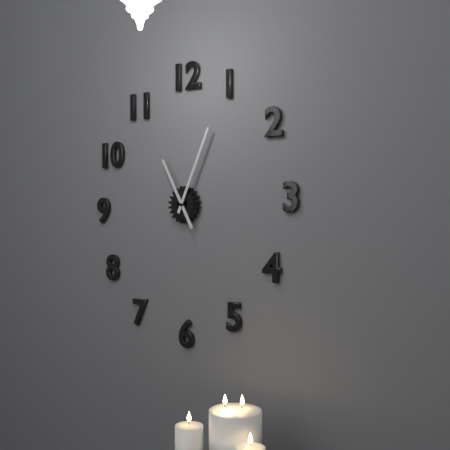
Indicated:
11.04
